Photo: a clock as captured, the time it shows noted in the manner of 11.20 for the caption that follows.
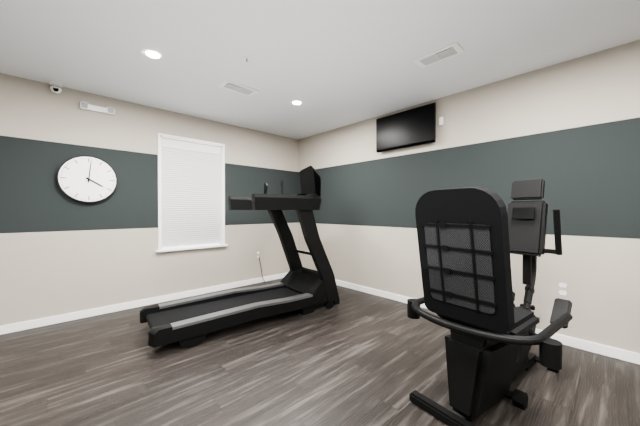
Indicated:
4.01
